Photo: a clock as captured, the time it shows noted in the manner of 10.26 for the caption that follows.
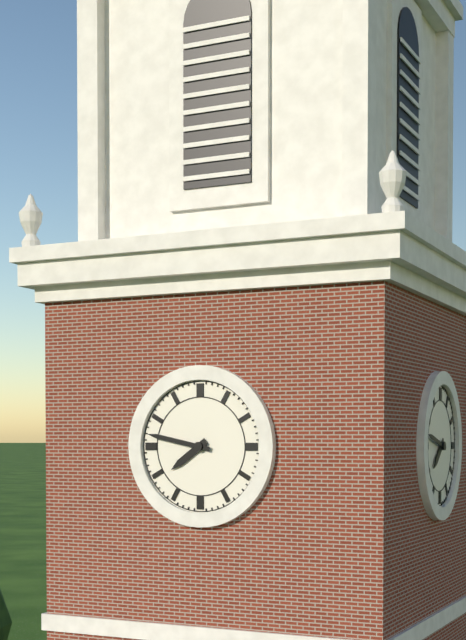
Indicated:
7.47
